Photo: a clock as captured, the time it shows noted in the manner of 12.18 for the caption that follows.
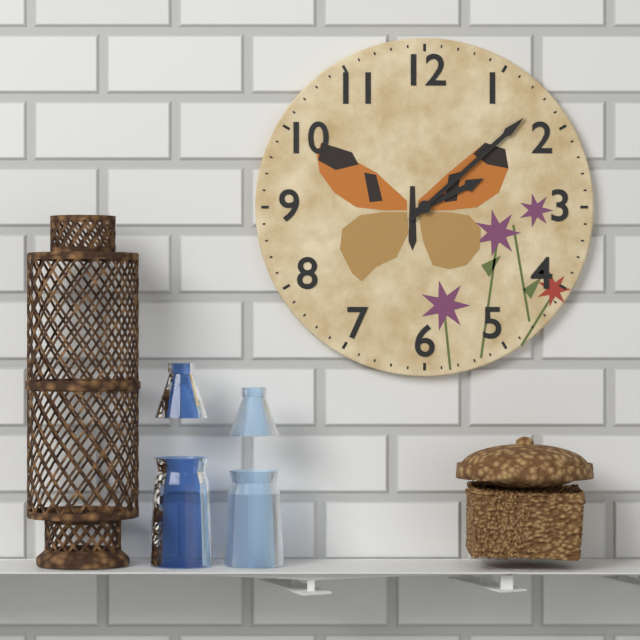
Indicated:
2.08
